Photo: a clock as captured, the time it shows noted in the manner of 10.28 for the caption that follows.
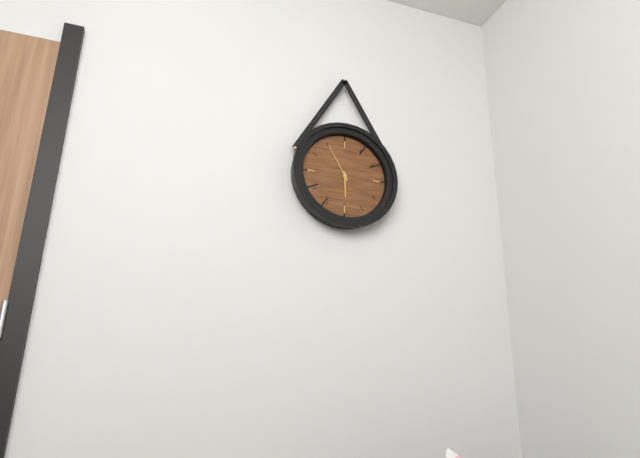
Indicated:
5.55
